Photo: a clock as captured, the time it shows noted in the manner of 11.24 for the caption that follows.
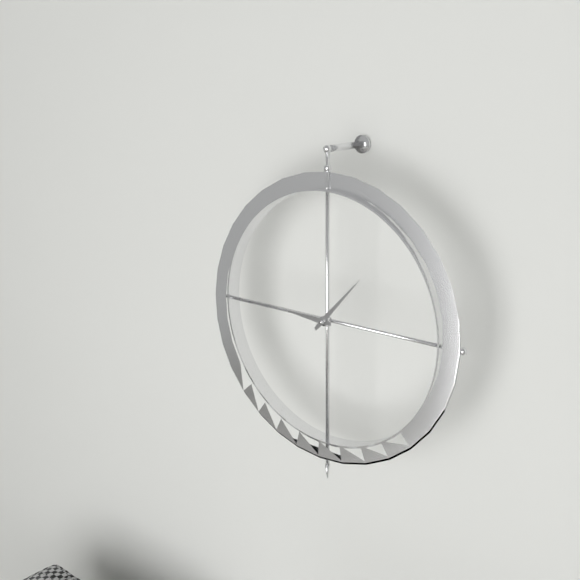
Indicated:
9.07
